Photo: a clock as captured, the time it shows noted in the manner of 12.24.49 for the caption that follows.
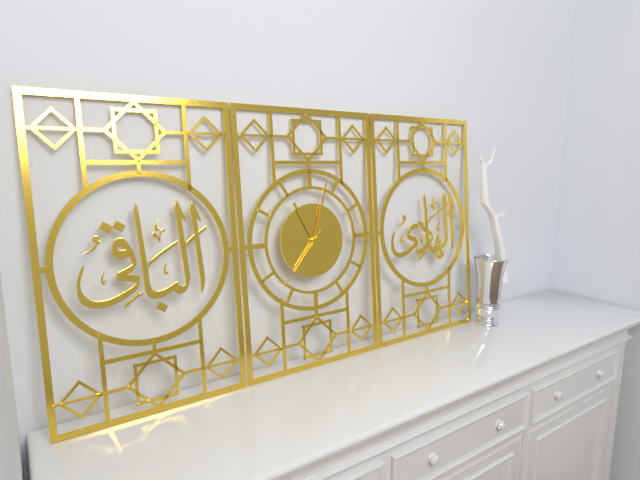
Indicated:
11.03.37
